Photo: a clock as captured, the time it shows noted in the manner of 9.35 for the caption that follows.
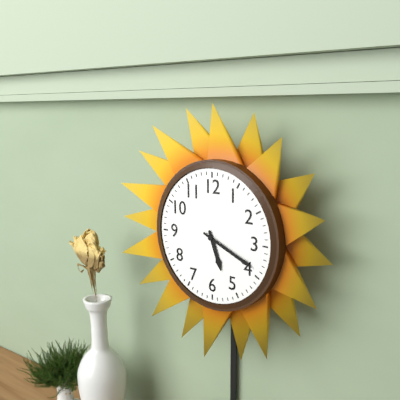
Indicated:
5.19
